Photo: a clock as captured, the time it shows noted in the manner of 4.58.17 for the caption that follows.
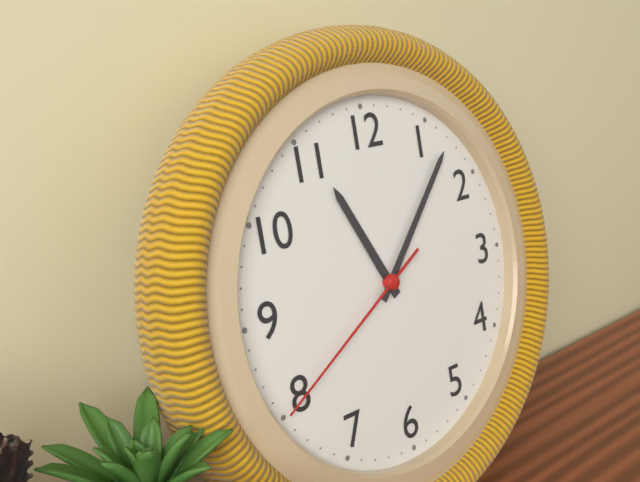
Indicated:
11.07.40
